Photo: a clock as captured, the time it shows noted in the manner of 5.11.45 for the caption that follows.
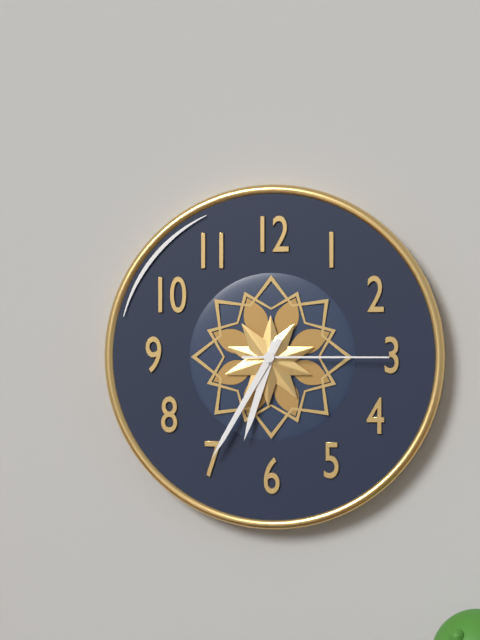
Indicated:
6.35.15
